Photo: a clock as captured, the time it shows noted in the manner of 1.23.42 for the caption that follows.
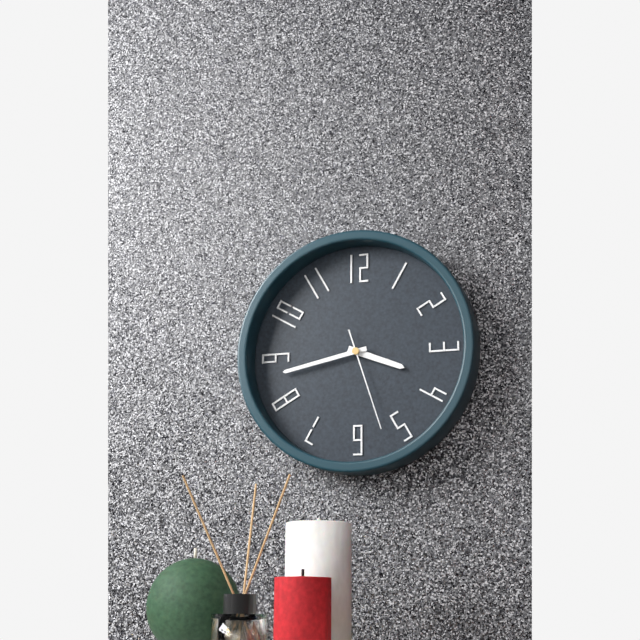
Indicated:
3.43.27
